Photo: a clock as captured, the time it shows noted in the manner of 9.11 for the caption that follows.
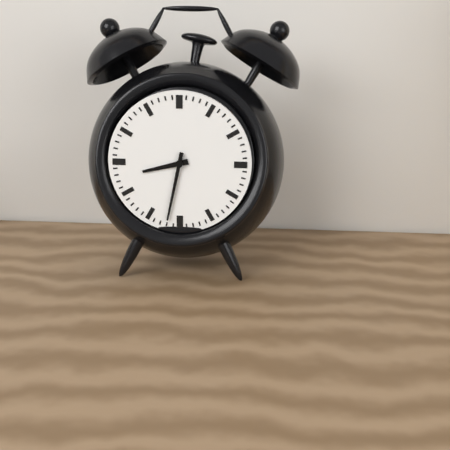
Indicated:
8.32
